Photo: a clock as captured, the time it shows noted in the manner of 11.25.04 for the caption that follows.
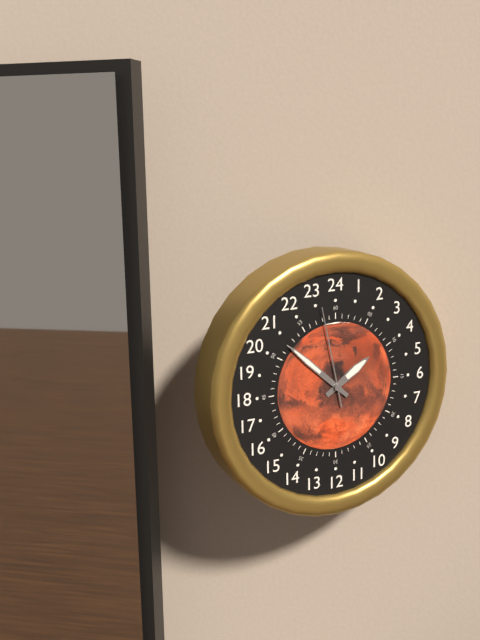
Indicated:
1.52.58
